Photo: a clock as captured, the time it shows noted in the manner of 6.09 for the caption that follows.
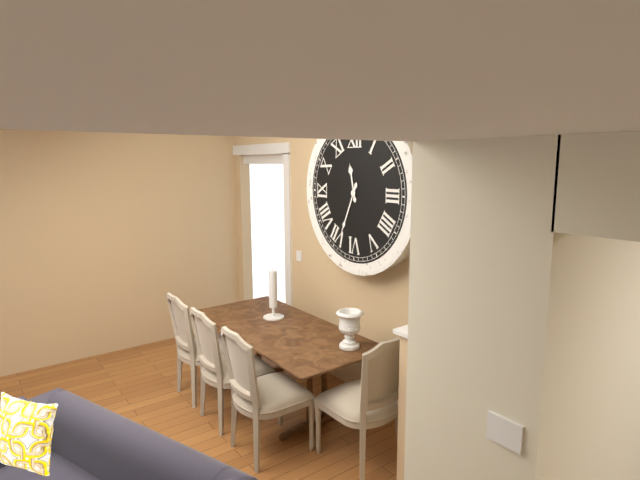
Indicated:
11.34
